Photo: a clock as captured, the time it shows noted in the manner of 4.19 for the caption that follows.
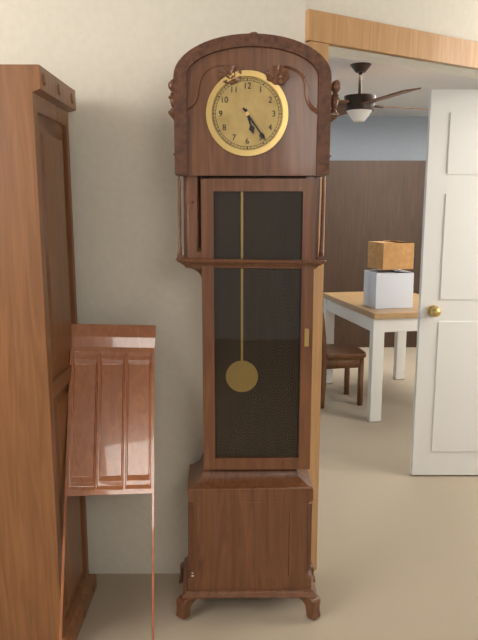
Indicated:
5.24
